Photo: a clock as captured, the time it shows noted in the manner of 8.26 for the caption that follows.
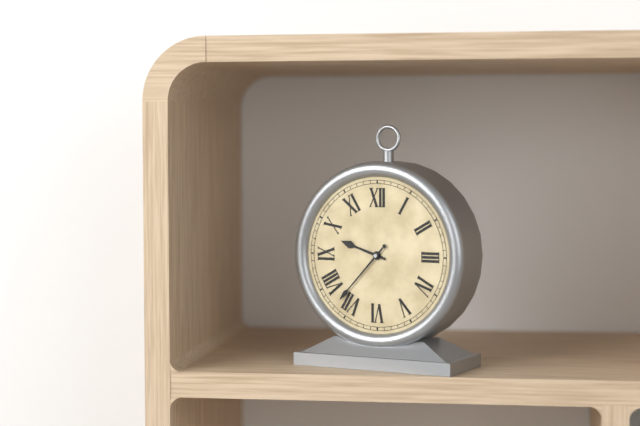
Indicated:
9.37
